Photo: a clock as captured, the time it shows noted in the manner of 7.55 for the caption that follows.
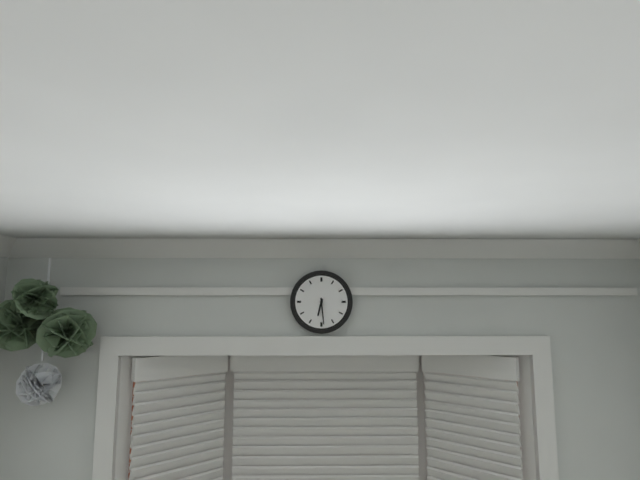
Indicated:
6.29
